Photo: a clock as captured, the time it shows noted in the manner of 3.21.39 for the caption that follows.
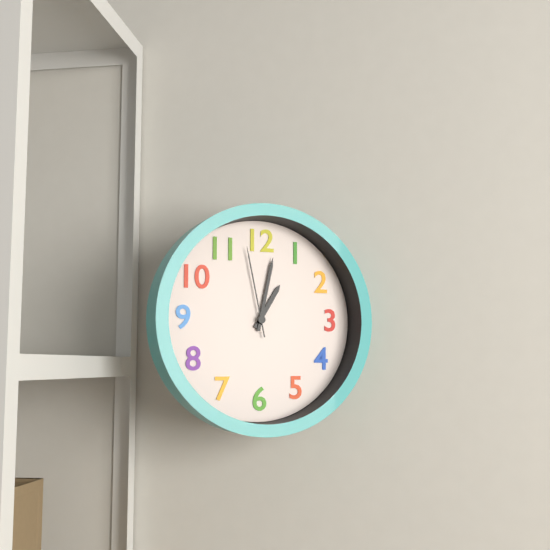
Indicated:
1.02.58
